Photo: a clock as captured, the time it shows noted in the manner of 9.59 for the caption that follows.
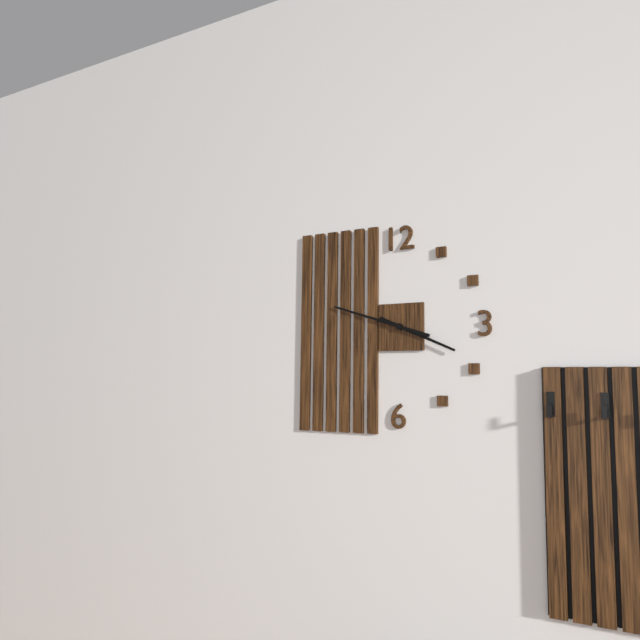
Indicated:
3.48
